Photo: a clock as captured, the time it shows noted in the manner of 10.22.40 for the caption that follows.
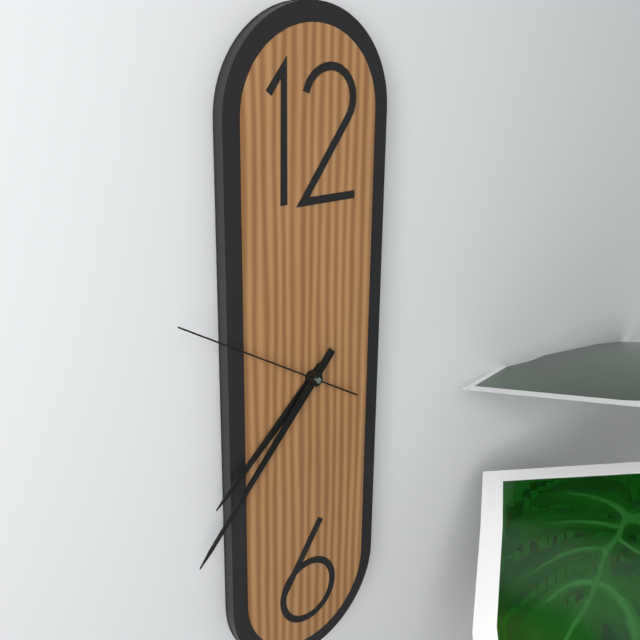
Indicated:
7.37.50
